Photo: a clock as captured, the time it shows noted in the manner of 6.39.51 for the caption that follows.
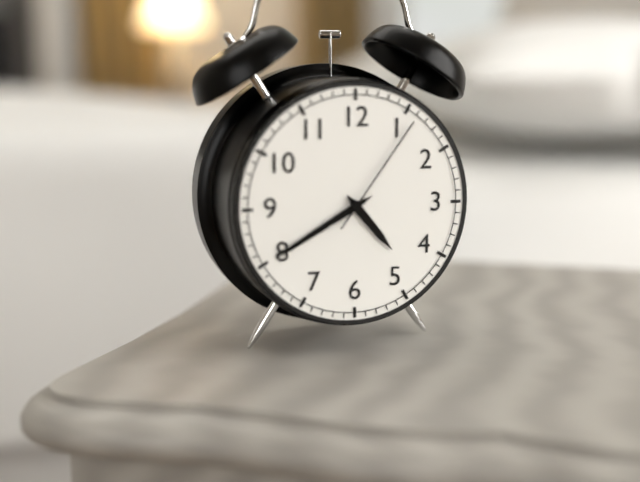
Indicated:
4.40.06
